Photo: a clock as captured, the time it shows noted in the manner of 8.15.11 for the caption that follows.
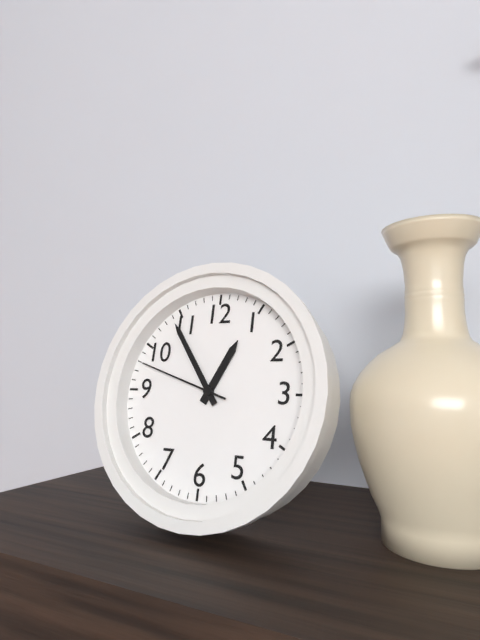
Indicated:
12.54.48
